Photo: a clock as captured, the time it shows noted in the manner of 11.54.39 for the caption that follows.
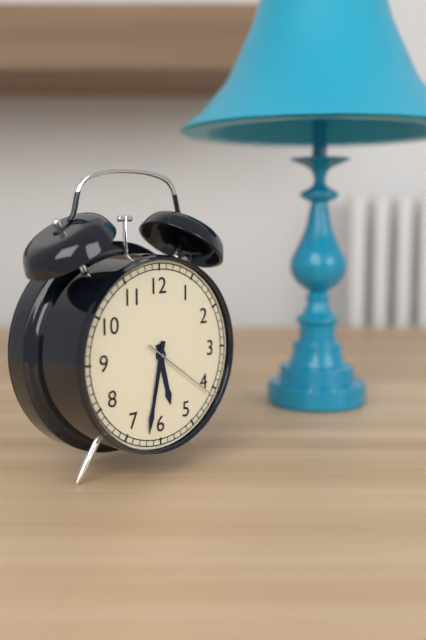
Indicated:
5.32.21
